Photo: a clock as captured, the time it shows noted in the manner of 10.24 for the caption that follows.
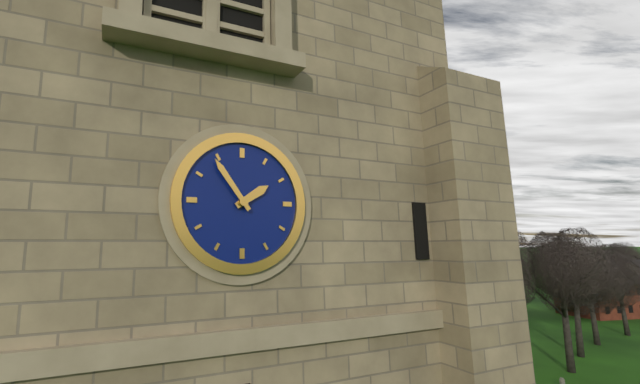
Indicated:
1.54
